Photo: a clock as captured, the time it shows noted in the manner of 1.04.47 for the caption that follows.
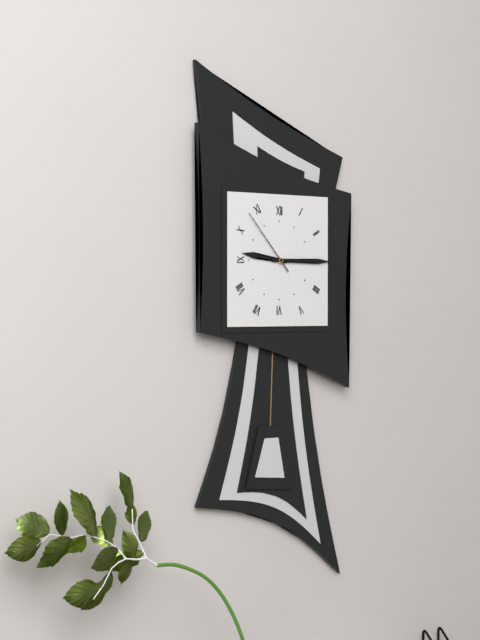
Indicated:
9.15.53
